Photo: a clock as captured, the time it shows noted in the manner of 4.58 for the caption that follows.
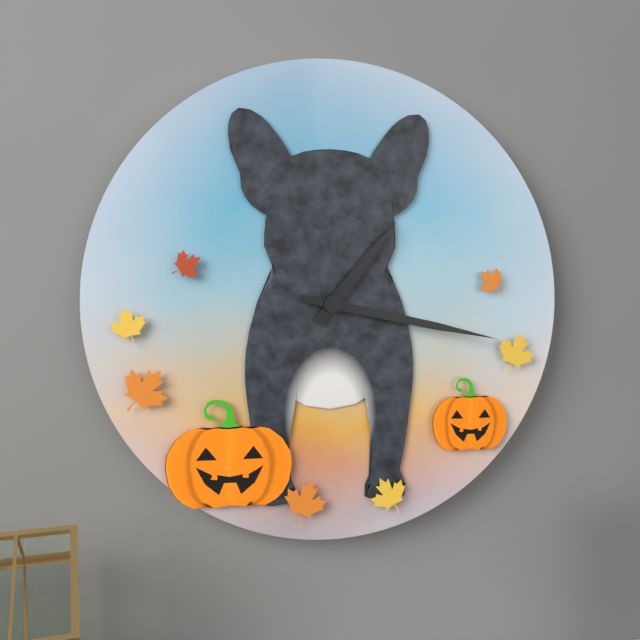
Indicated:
1.17
